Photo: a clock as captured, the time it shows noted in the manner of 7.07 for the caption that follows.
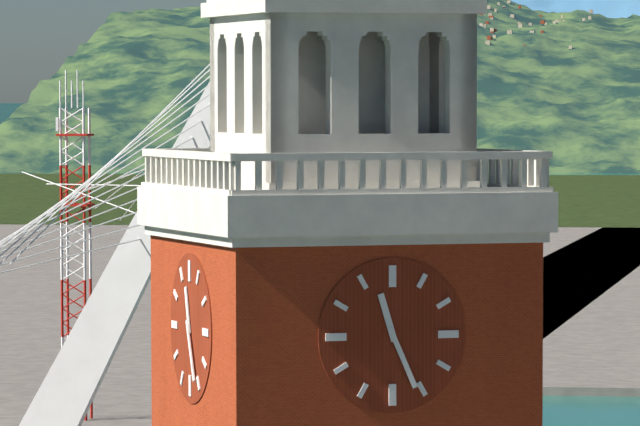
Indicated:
11.26
